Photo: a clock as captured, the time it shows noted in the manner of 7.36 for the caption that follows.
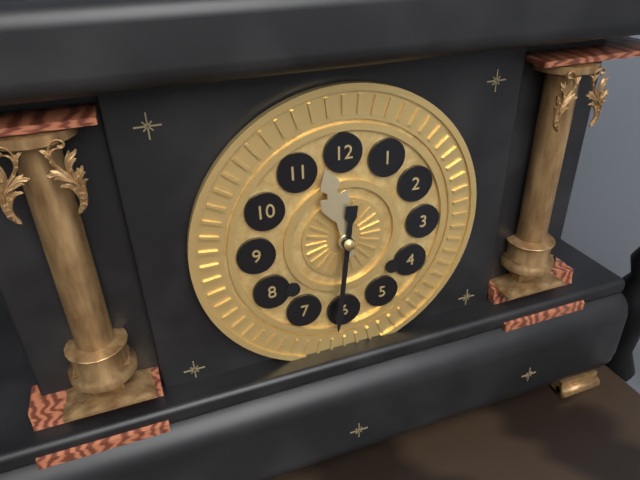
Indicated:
11.31
